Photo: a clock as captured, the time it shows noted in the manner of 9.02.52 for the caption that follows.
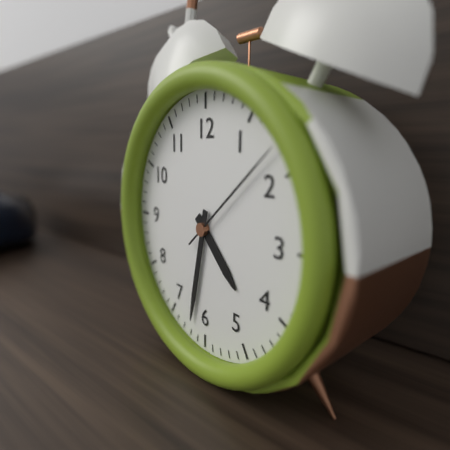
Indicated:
4.32.08
